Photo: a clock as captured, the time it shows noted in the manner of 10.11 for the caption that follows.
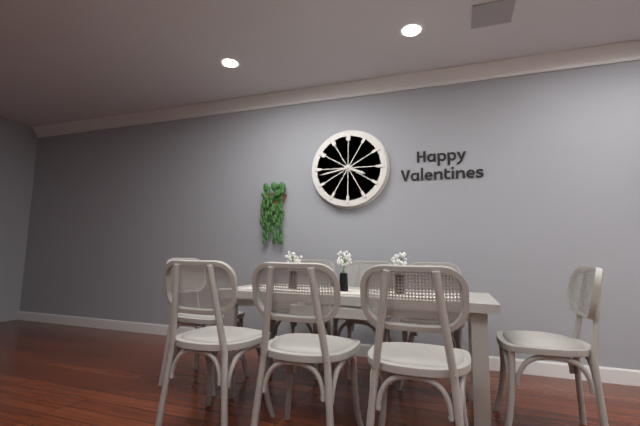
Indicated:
3.43
